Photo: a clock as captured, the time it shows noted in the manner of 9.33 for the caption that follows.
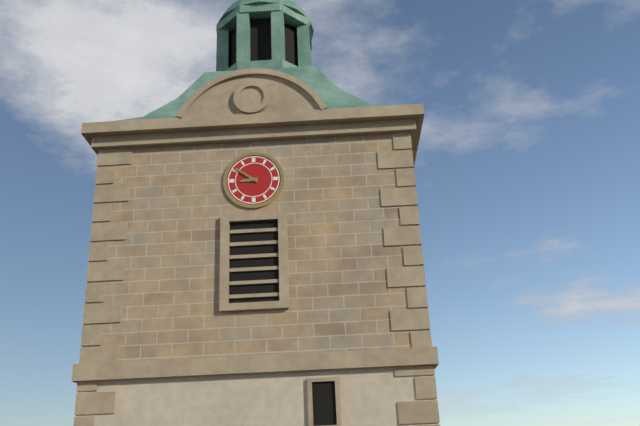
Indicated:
8.51
